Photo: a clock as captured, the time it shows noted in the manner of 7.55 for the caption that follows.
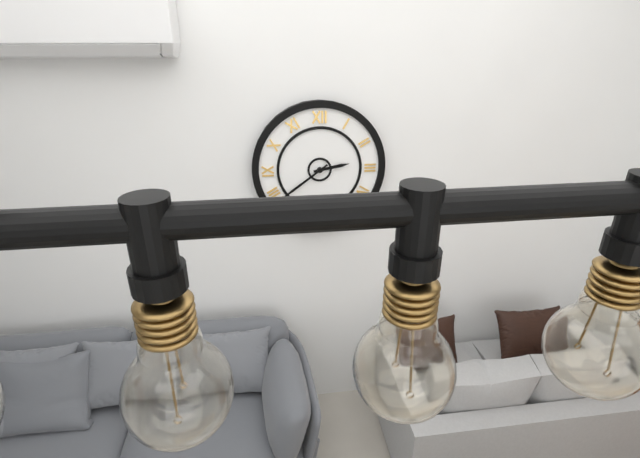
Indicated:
2.39
